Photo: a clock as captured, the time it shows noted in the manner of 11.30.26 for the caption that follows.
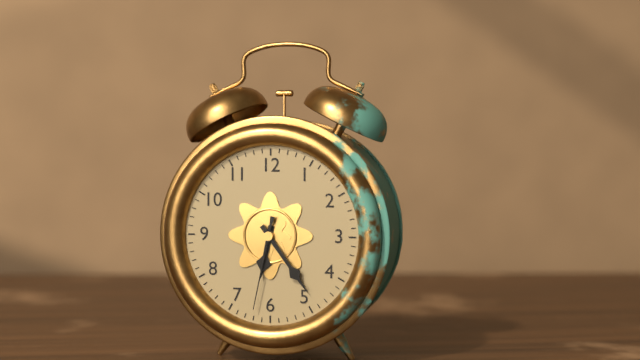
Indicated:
6.24.32
